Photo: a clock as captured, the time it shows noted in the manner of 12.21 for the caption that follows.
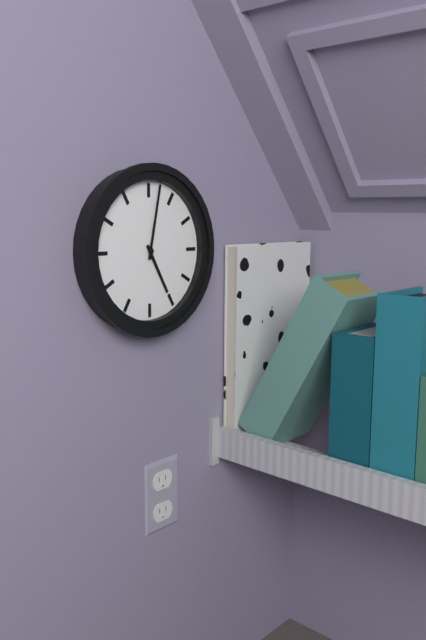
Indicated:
5.02
